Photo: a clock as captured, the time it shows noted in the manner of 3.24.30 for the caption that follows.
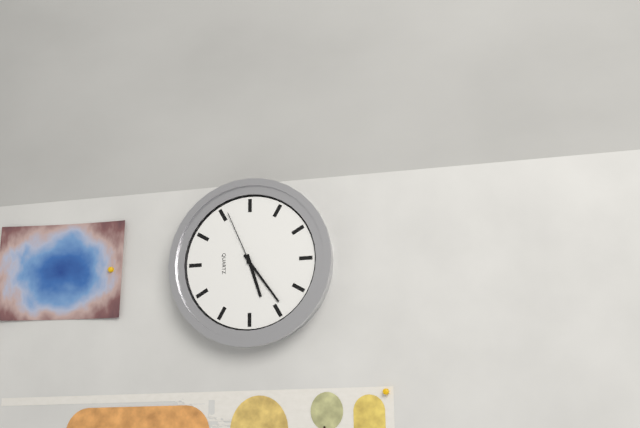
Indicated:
5.24.56
